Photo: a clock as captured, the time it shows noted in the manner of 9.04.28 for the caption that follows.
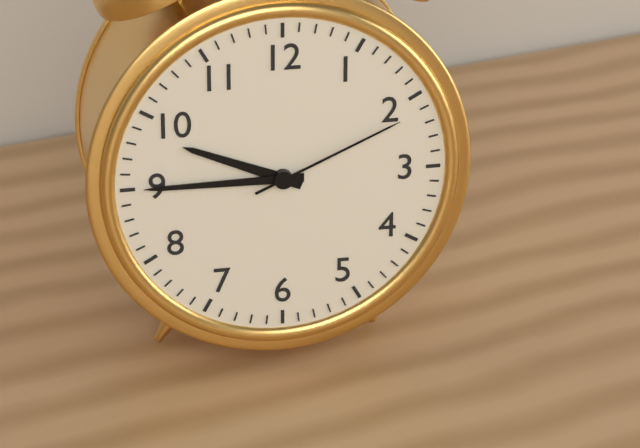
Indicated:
9.45.11
